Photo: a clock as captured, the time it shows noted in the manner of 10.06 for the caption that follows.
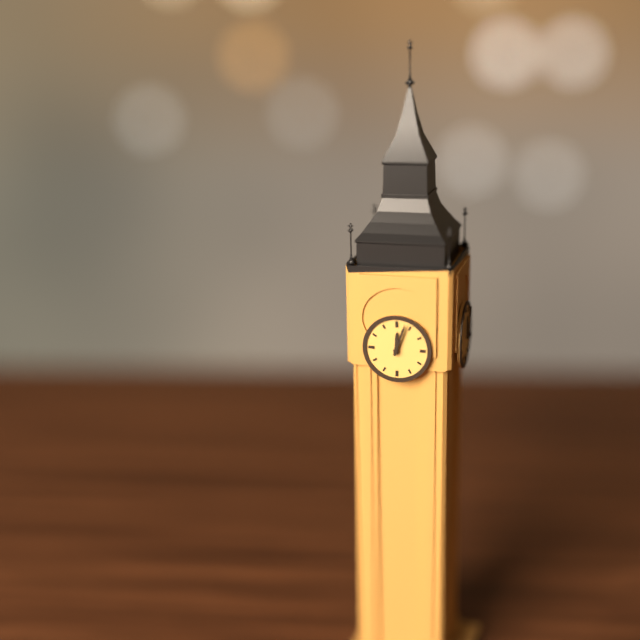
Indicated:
12.03
